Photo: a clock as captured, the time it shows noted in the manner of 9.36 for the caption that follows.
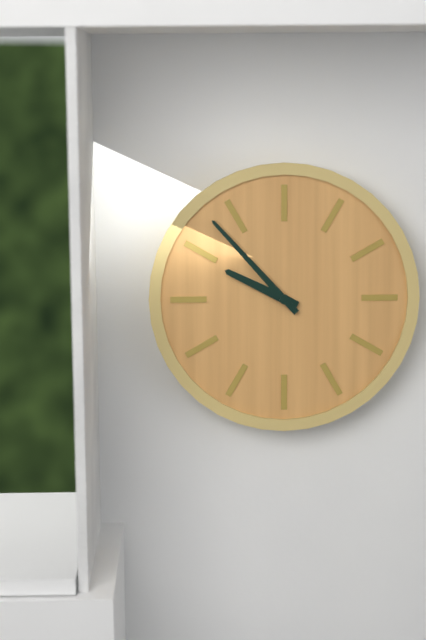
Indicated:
9.53
